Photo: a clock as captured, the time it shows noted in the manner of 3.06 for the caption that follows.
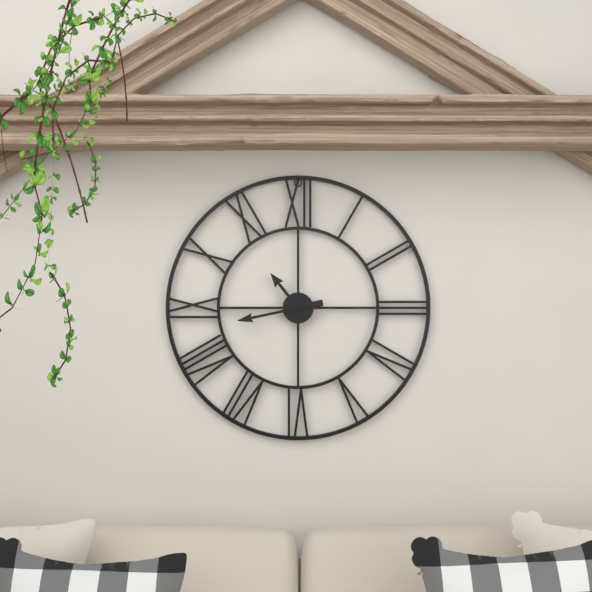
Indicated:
10.43
